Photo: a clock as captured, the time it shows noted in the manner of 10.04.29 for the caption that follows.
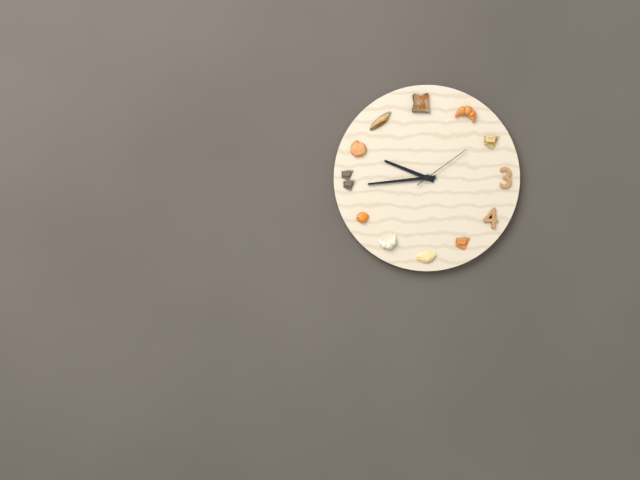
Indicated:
9.44.09
